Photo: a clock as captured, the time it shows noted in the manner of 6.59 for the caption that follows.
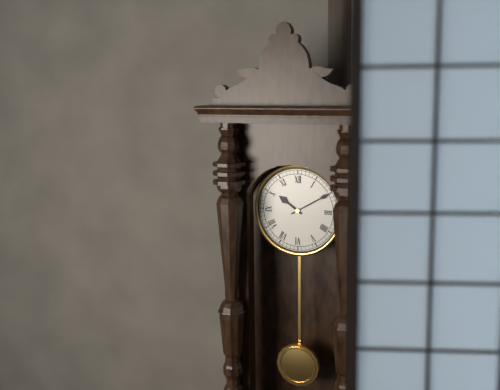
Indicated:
10.10
